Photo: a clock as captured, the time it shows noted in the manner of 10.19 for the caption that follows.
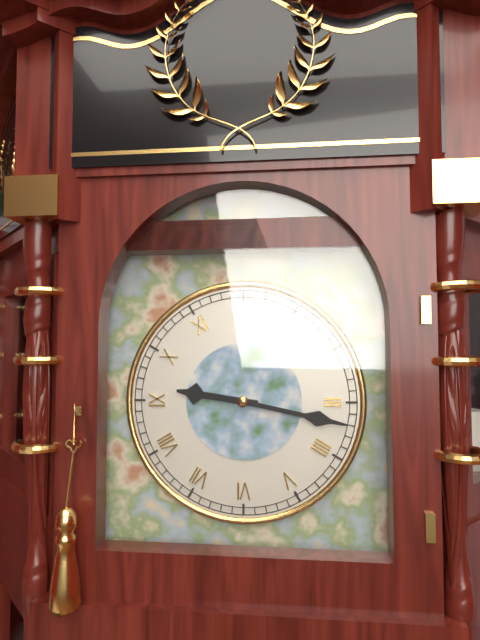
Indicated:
9.17
